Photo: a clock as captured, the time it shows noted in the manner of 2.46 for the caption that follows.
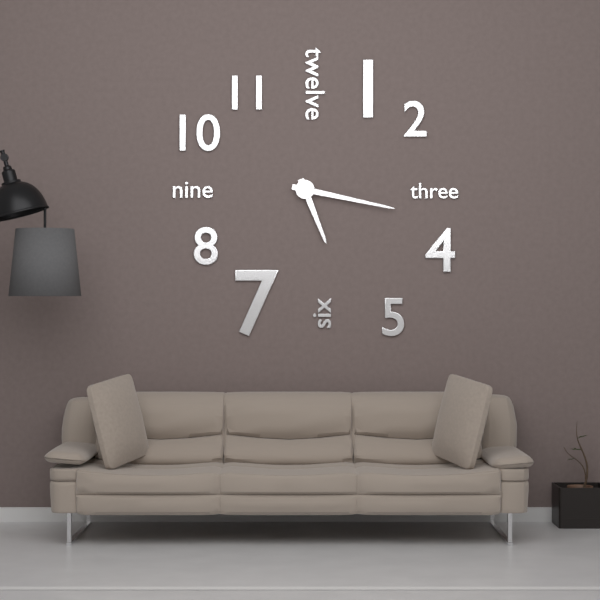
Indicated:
5.17
